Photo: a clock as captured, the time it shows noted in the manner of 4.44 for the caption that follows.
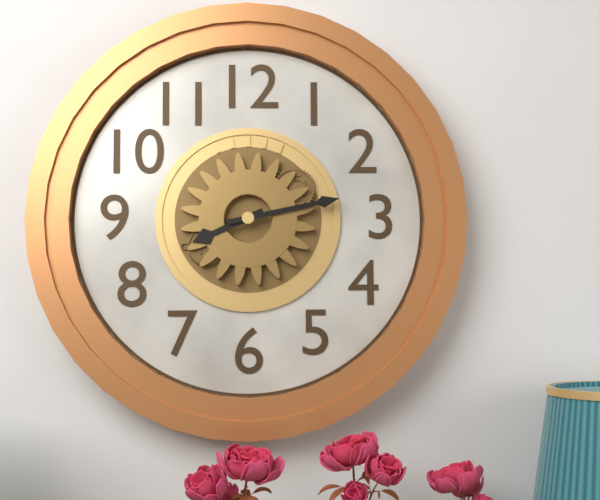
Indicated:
8.13
